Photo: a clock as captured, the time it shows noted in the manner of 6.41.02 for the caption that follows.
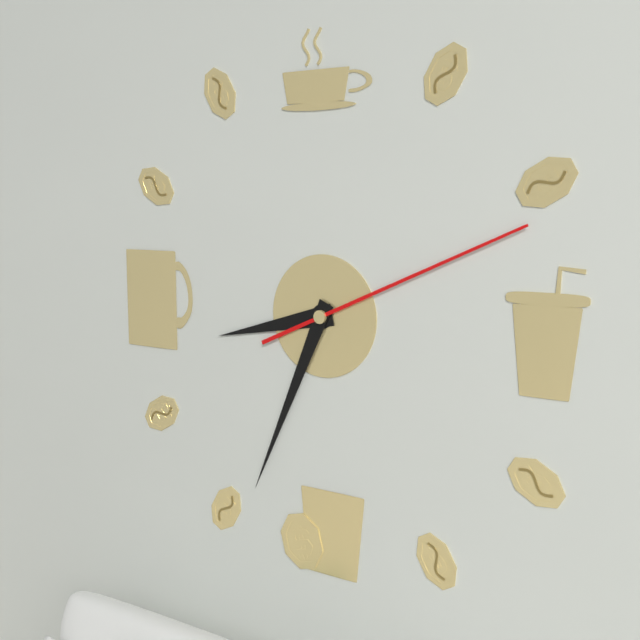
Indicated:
8.34.11
